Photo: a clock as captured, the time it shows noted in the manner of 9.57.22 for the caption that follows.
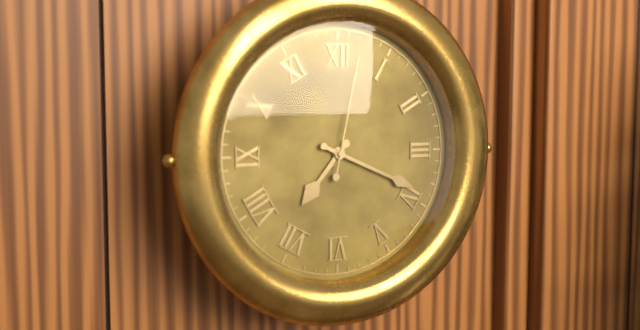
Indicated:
7.19.02
